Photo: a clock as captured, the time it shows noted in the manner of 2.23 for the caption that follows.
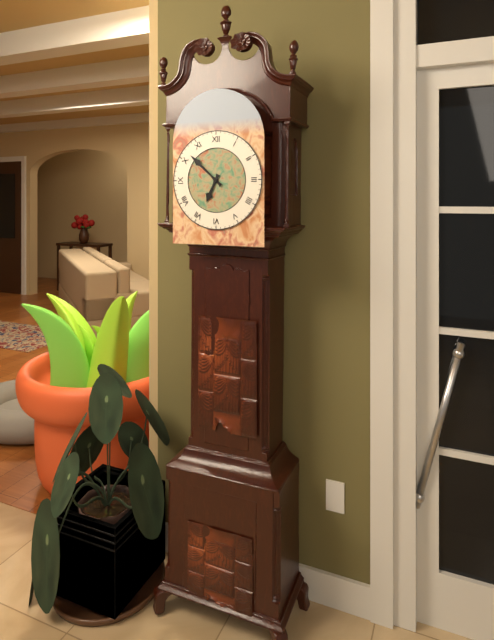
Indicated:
6.52
